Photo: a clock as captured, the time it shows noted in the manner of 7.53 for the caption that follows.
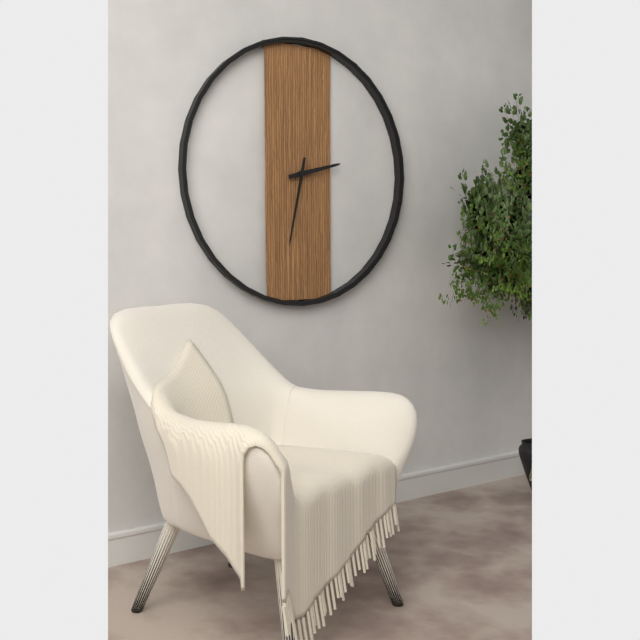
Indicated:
2.32
